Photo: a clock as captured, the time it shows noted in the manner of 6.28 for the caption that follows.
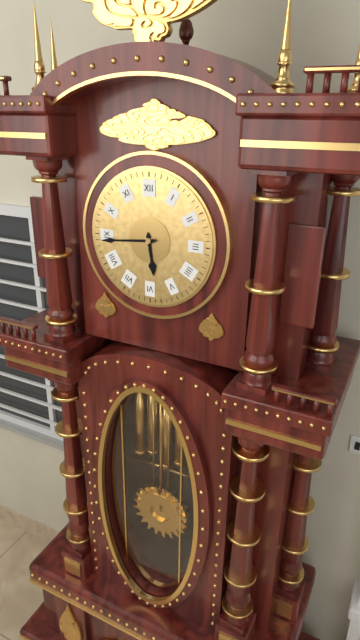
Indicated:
5.44
